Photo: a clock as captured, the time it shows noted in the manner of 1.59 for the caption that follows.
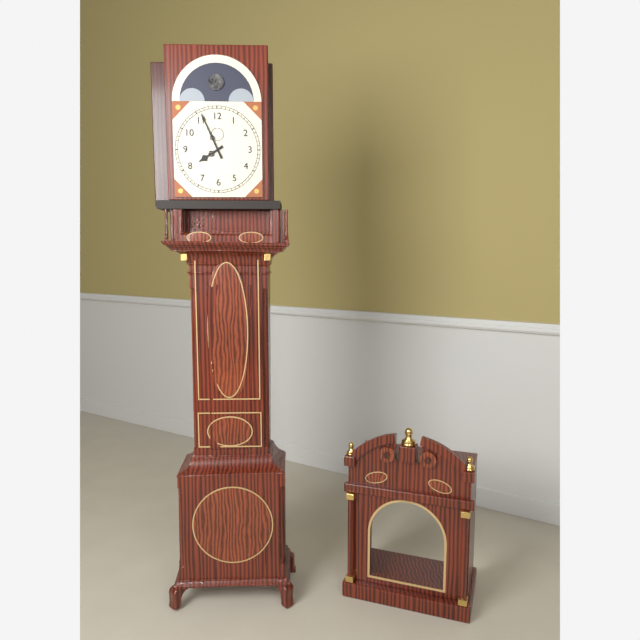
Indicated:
7.56
